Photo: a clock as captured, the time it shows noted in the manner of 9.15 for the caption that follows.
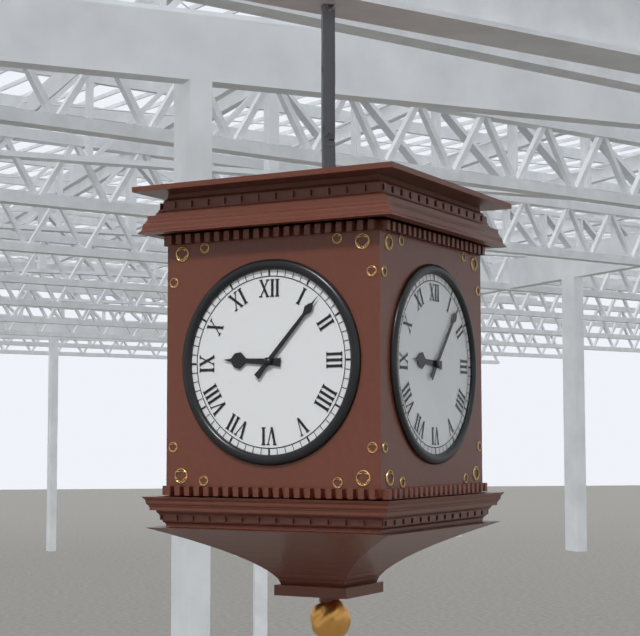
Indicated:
9.07
